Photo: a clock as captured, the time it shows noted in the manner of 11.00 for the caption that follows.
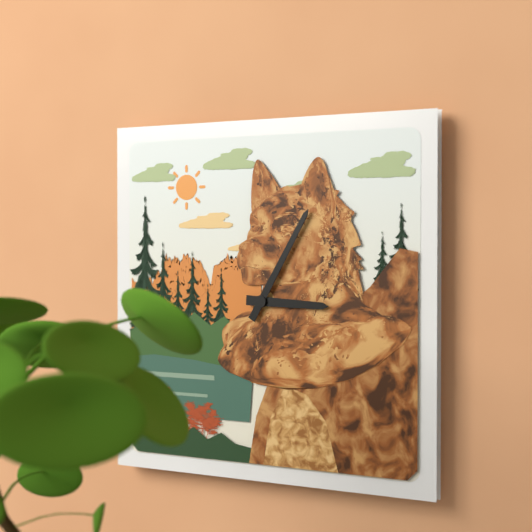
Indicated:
3.05
